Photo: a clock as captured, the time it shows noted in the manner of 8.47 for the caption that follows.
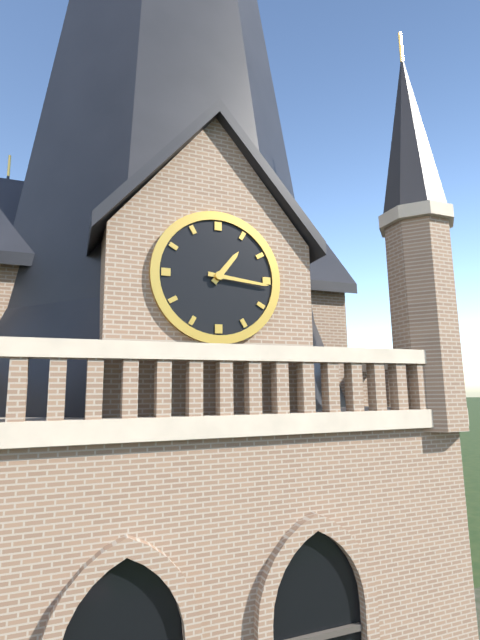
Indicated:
1.16
